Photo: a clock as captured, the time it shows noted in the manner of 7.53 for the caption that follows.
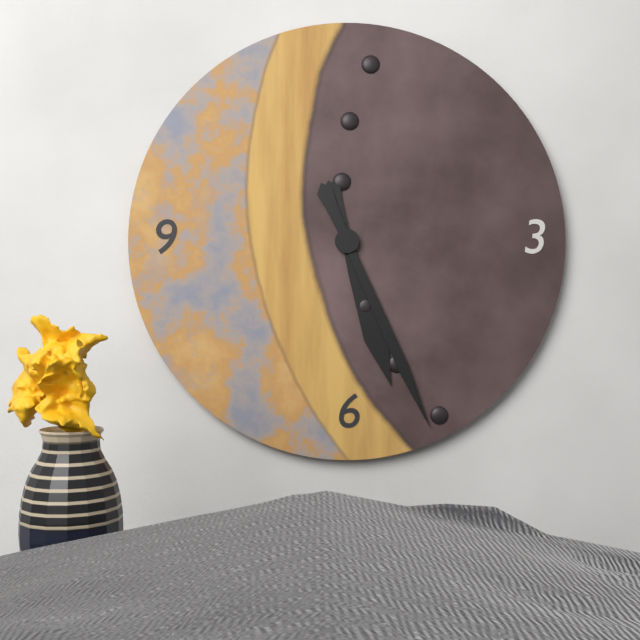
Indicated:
5.26
